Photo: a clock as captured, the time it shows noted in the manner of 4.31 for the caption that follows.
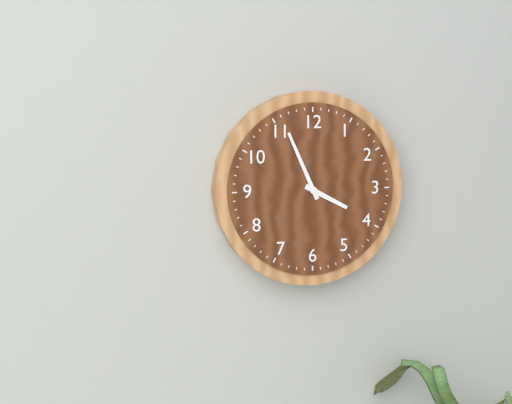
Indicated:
3.56
